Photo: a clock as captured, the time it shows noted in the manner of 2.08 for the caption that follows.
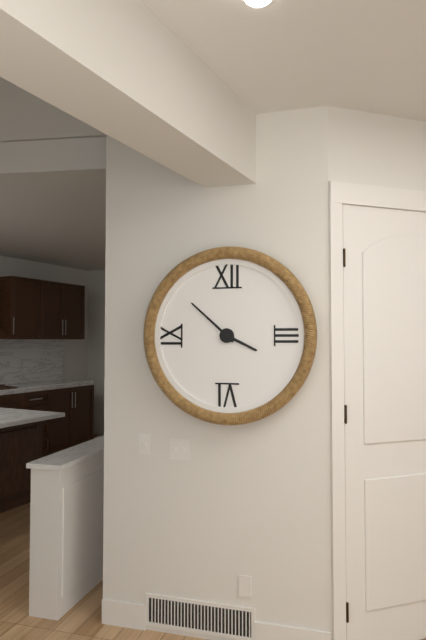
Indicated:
3.52
